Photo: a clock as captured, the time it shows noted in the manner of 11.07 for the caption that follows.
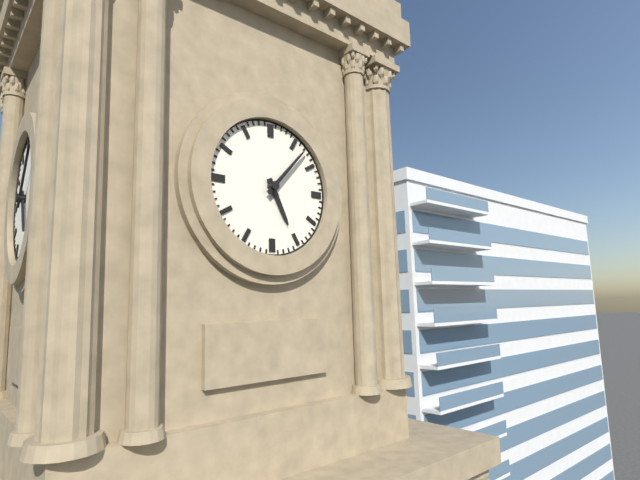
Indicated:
5.07
